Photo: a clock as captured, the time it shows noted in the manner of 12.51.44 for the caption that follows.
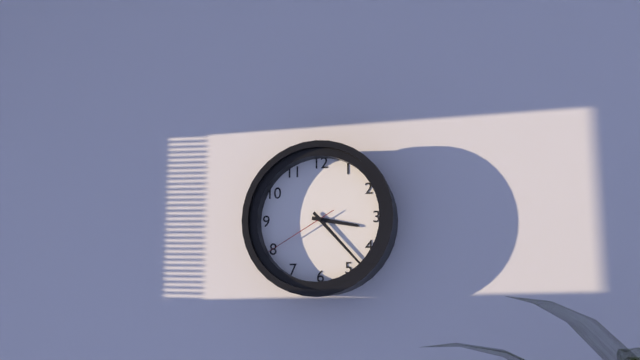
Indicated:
3.23.40
